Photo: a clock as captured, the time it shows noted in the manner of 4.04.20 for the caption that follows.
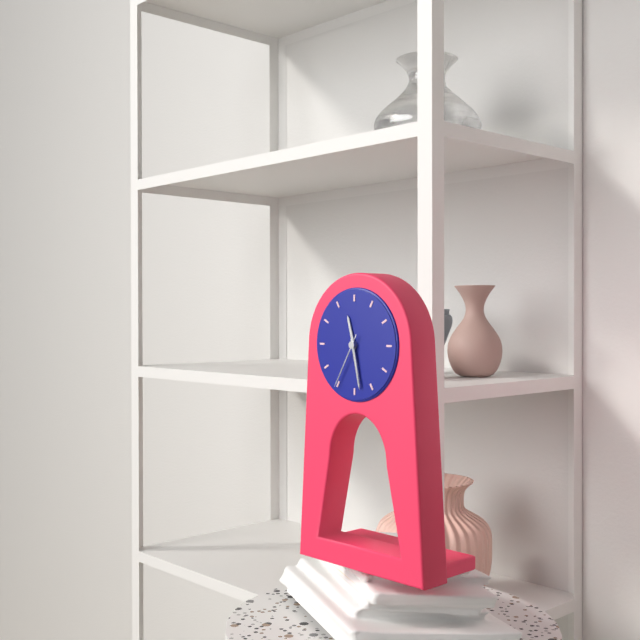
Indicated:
11.28.35
